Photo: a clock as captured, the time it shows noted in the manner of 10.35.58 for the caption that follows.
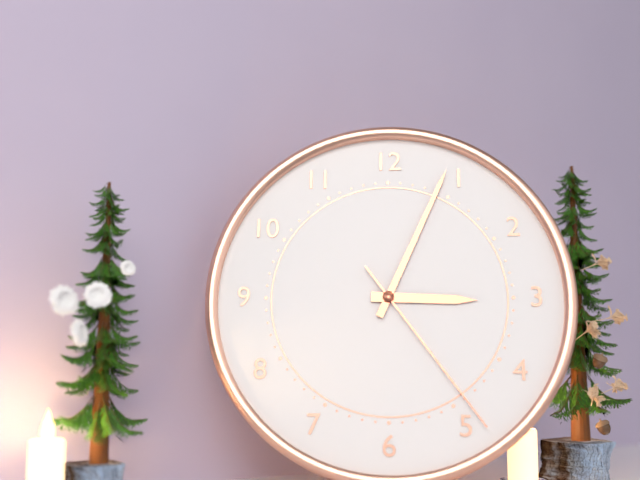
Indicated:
3.04.24
